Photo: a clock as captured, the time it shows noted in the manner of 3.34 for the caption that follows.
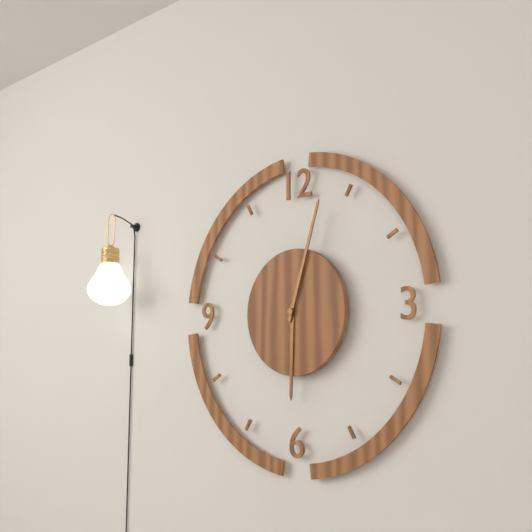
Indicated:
6.03
